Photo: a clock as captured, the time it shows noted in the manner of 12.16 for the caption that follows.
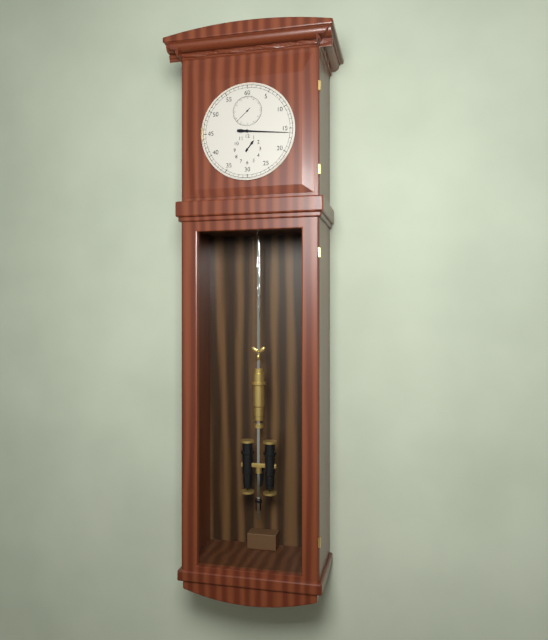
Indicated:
1.16
